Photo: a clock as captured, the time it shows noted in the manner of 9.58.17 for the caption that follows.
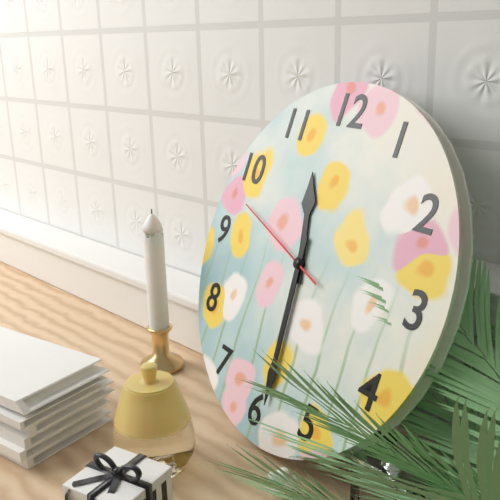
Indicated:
11.29.48
